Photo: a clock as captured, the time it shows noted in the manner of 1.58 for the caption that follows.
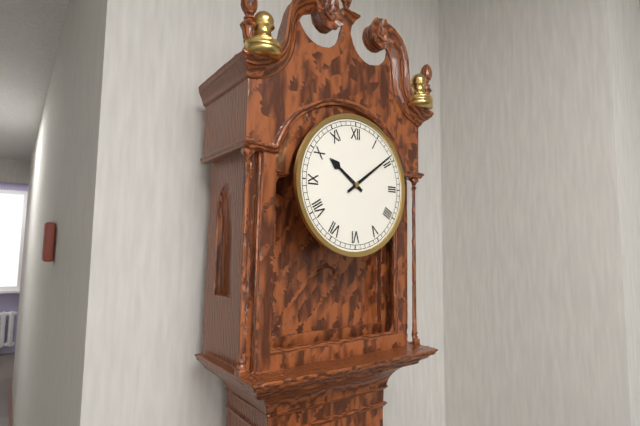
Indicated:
10.09
